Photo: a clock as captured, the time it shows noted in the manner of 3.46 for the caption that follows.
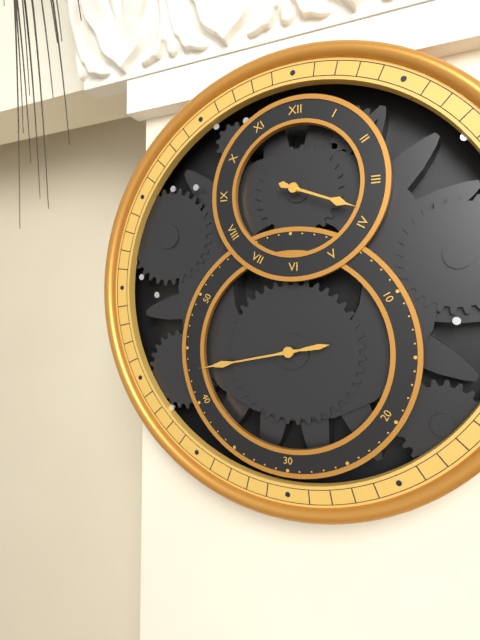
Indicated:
3.43
